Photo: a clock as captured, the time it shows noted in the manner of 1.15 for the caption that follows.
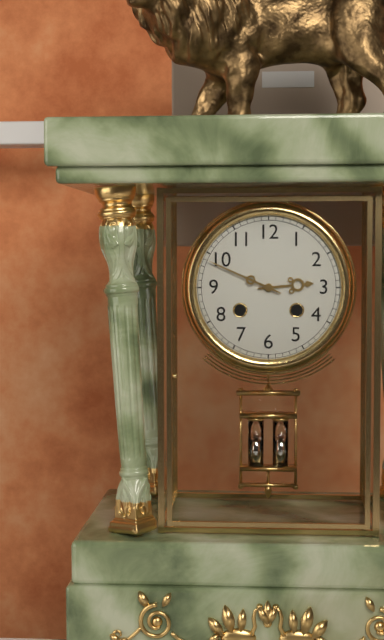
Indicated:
2.49
